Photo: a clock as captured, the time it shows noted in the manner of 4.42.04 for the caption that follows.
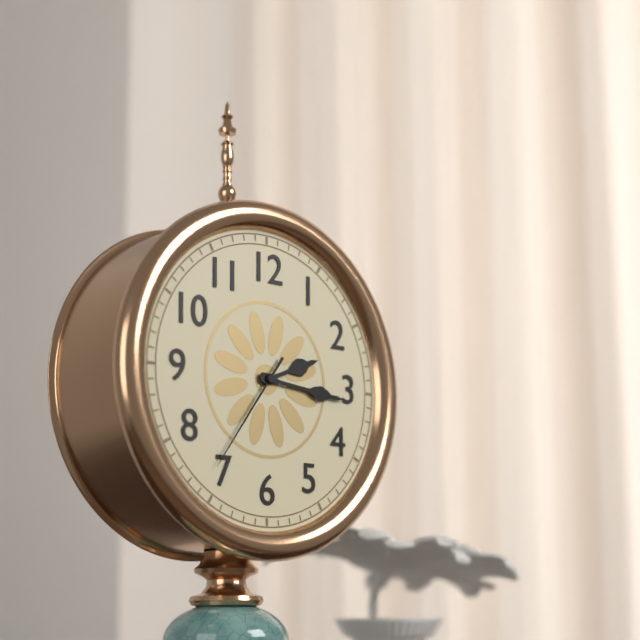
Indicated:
2.16.36
